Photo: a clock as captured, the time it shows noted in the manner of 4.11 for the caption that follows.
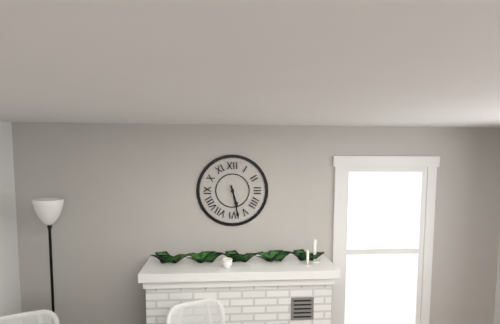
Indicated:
5.28
